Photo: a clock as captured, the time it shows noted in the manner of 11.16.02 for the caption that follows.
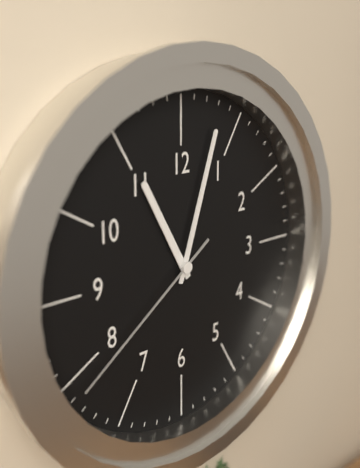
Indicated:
11.03.39
